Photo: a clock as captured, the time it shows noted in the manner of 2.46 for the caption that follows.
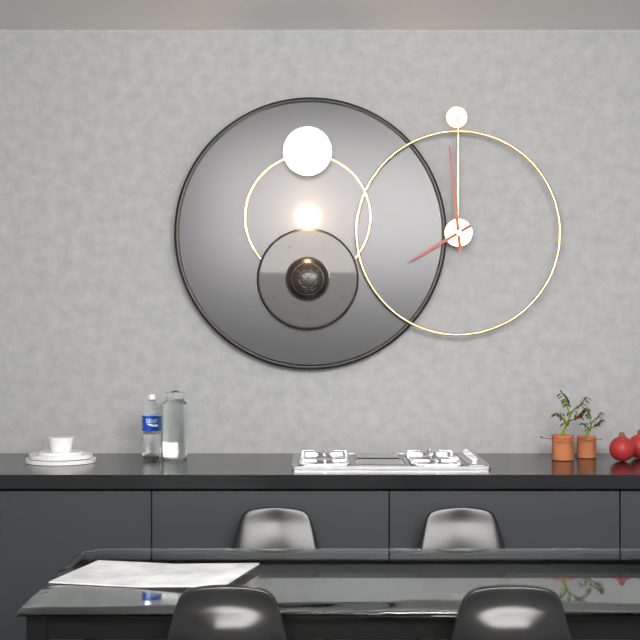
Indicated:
7.59
